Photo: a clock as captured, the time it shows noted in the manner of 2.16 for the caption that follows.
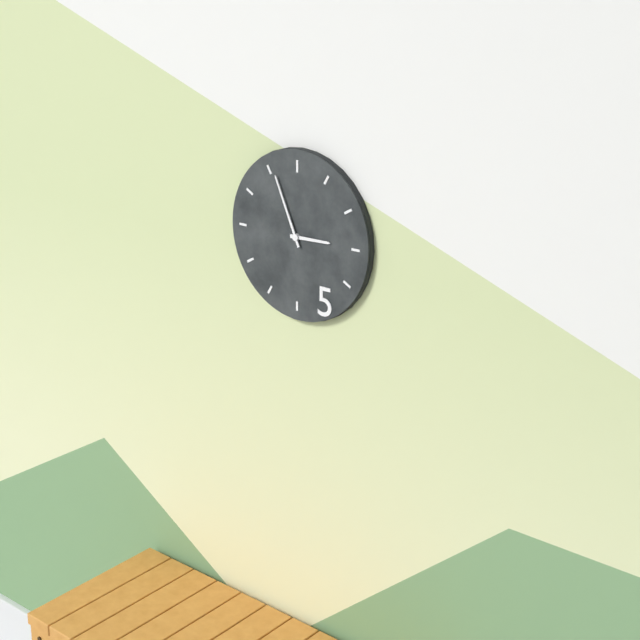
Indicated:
2.56
